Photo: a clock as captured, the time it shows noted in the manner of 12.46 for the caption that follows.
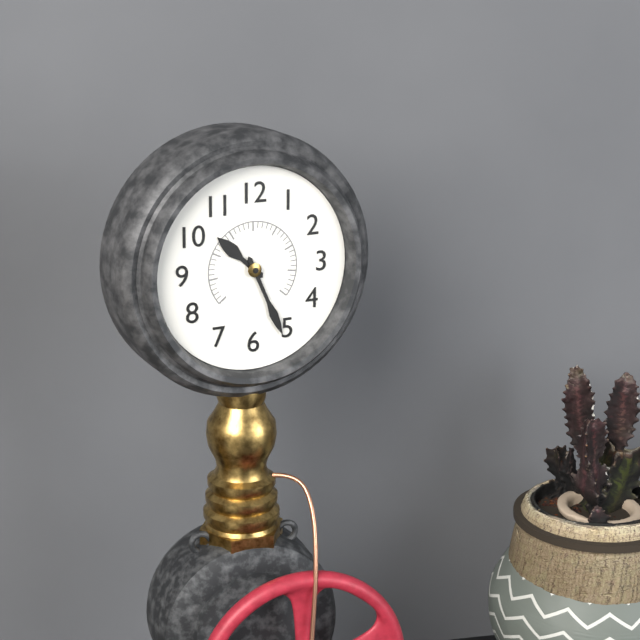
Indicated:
10.26
